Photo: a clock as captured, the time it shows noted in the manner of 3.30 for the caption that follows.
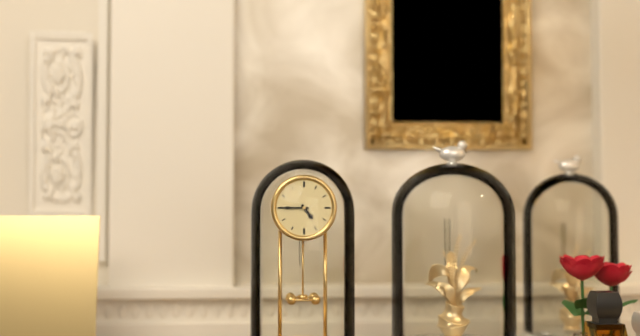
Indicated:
4.45
